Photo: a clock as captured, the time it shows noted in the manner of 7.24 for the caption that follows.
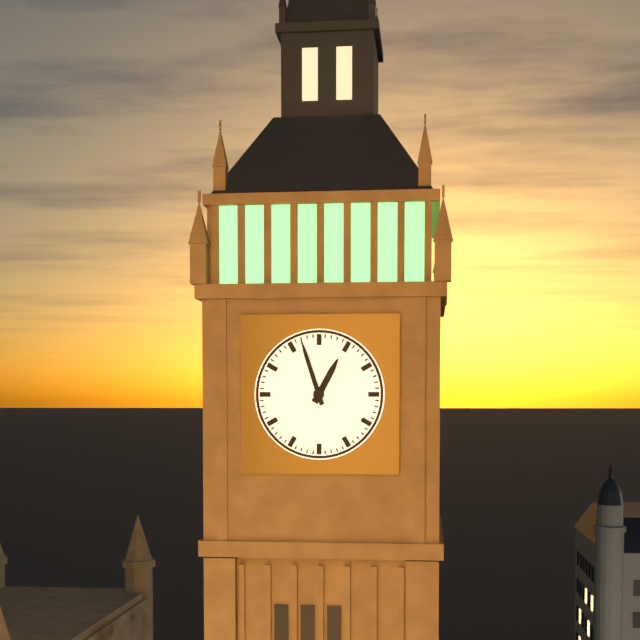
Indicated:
12.57
